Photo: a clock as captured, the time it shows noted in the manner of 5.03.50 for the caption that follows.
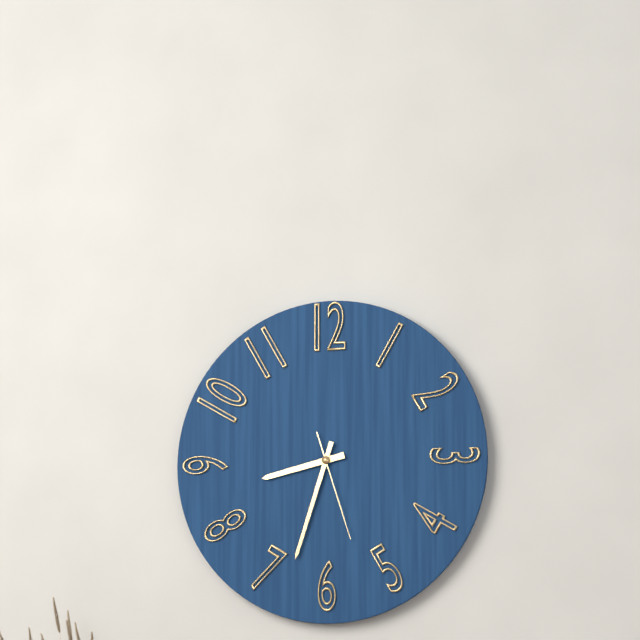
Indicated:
8.33.27
